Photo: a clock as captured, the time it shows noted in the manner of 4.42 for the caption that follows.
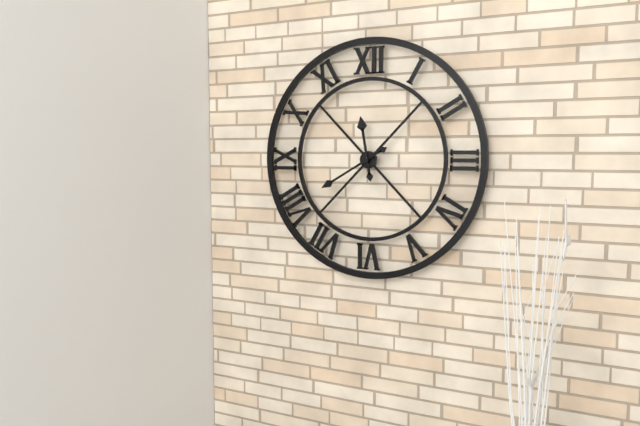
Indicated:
11.40
